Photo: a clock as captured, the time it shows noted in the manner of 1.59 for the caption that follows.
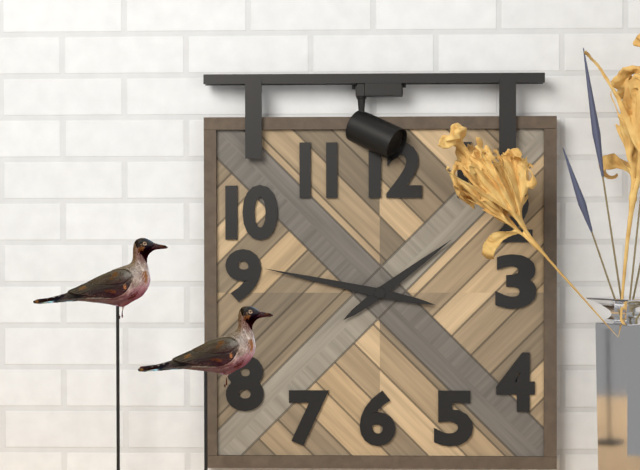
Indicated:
1.47
